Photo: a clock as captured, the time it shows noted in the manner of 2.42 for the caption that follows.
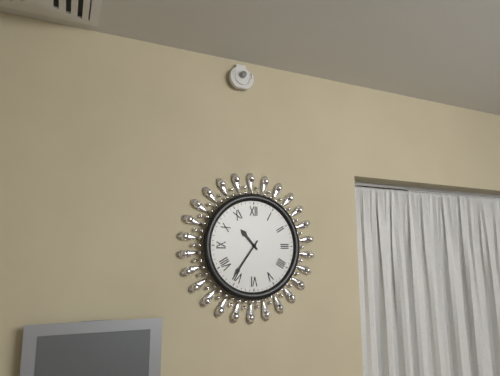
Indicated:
10.36
